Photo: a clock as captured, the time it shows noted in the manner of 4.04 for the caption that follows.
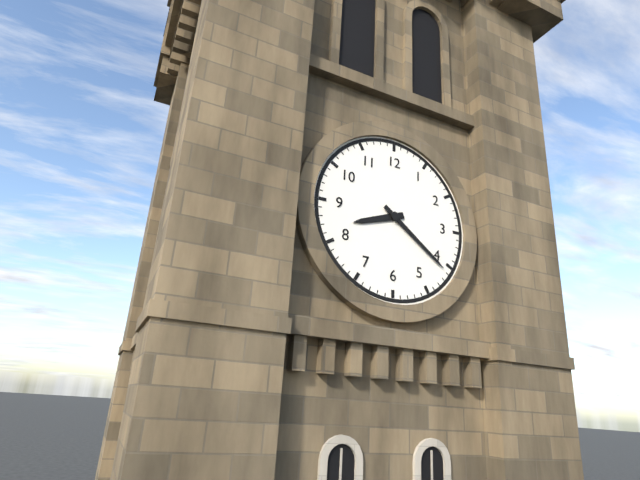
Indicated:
8.21
